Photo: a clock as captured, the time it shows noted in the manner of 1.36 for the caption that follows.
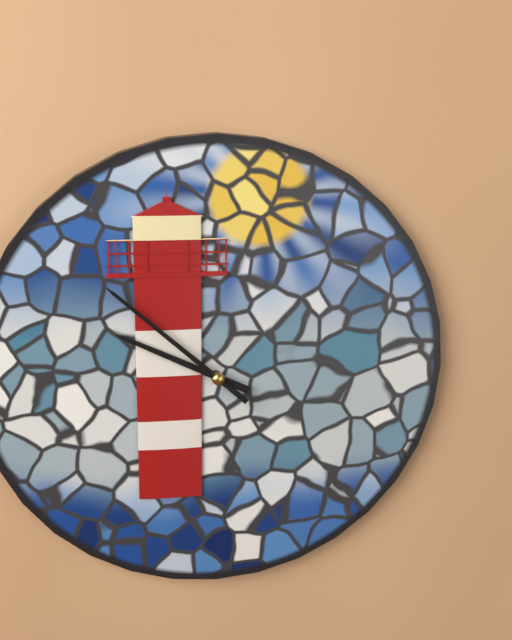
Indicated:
9.52
